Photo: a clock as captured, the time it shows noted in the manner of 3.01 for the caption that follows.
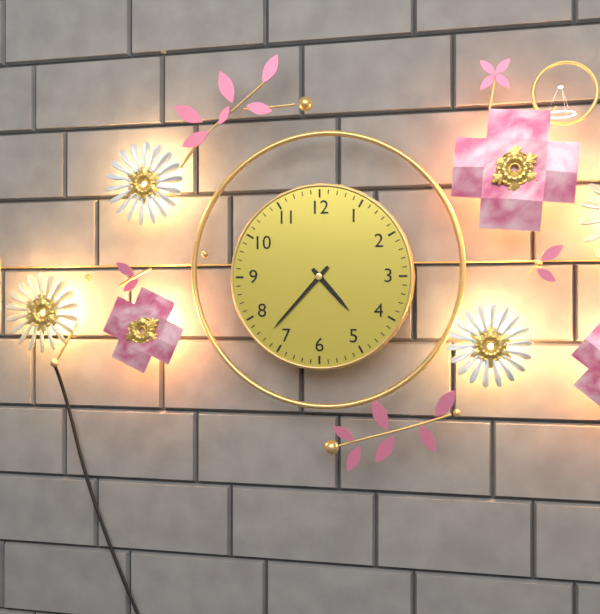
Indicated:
4.37
